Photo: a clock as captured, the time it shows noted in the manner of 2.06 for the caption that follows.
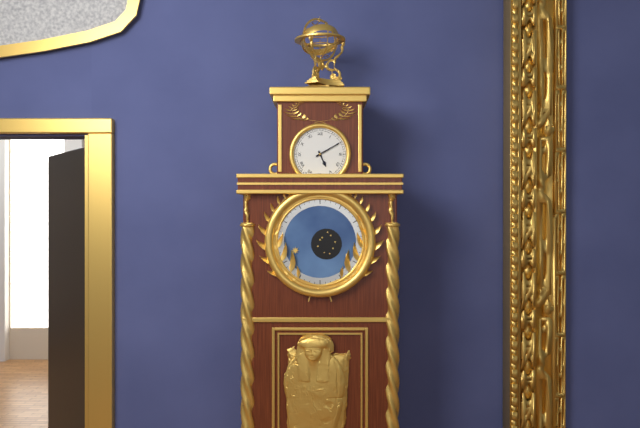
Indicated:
5.10
